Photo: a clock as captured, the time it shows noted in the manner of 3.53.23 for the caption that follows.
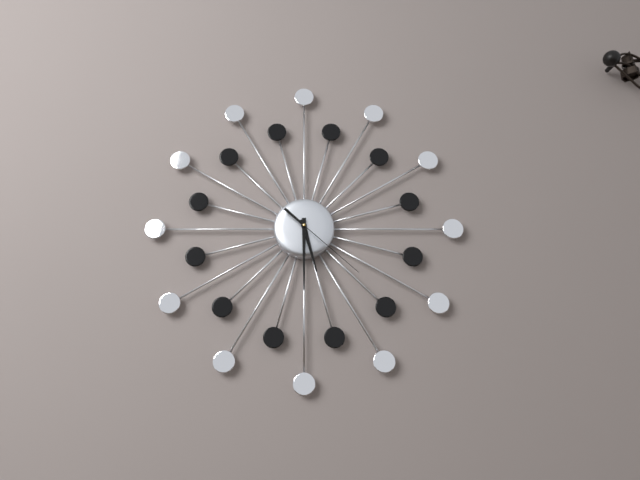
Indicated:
5.30.22
